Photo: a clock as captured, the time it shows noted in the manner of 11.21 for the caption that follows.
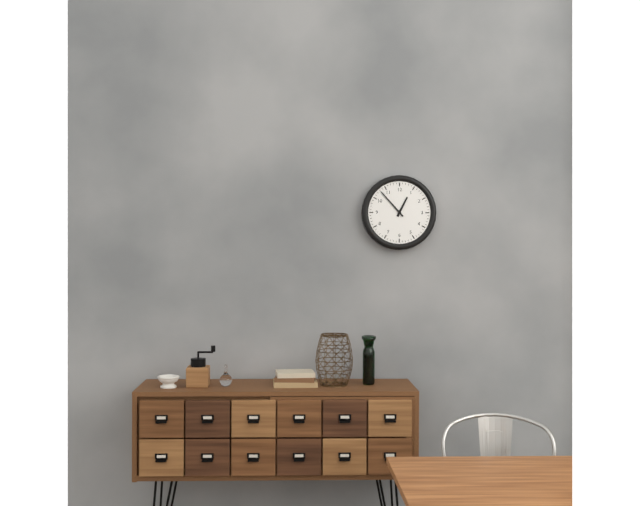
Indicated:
12.53
